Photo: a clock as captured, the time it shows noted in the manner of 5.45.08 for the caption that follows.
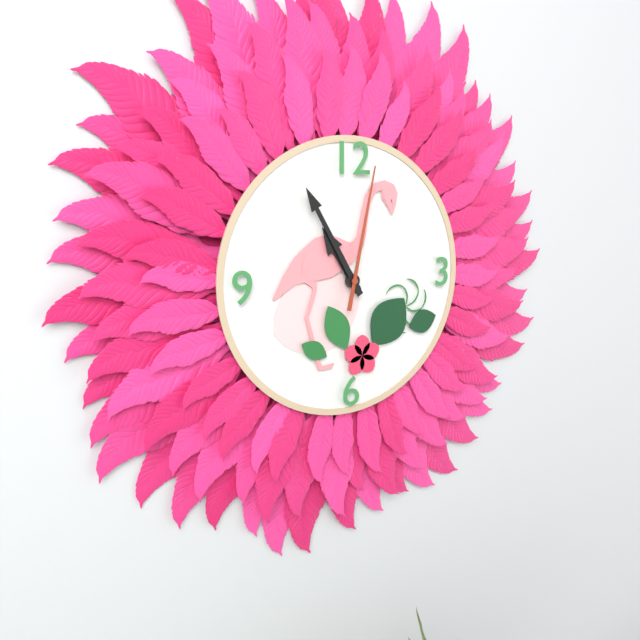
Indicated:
10.55.02
